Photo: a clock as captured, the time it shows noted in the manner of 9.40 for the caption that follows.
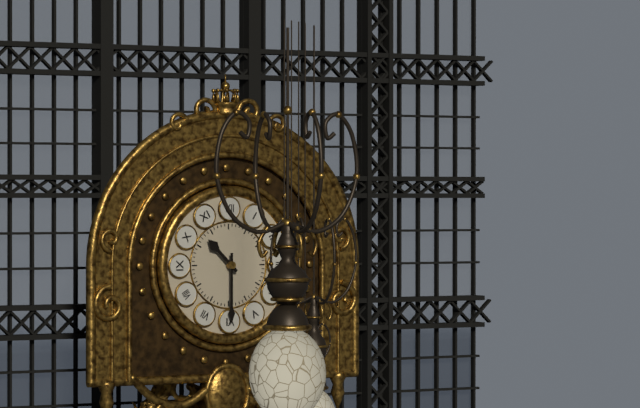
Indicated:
10.30
